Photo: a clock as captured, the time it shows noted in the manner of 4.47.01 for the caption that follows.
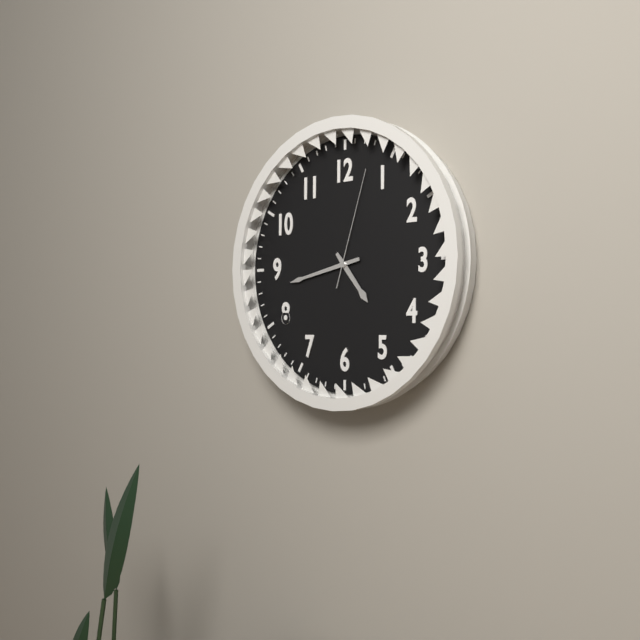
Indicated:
4.43.03
